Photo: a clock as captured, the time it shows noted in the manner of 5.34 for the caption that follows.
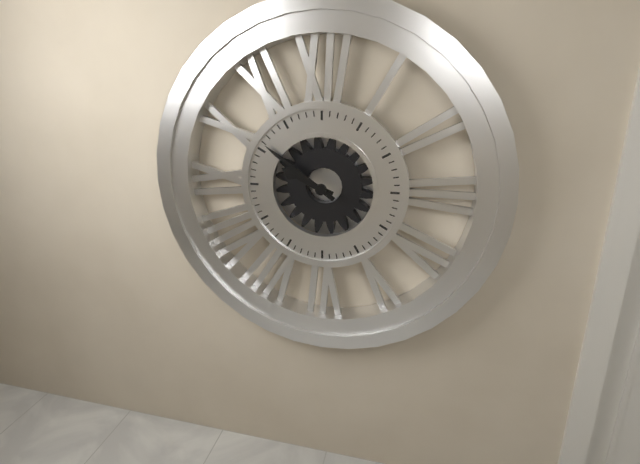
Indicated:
9.51
